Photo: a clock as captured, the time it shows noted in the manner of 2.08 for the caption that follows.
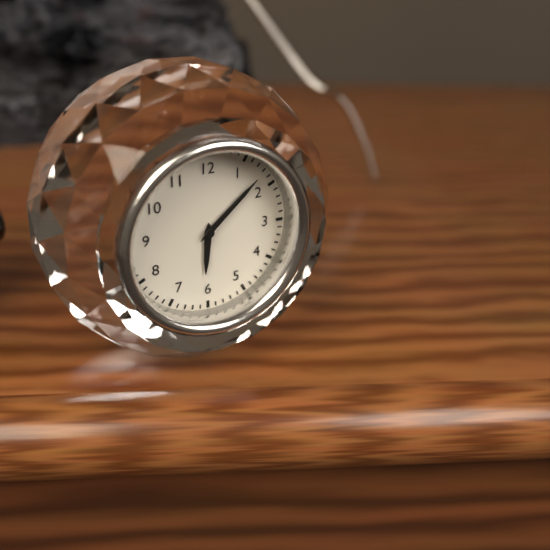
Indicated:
6.08
